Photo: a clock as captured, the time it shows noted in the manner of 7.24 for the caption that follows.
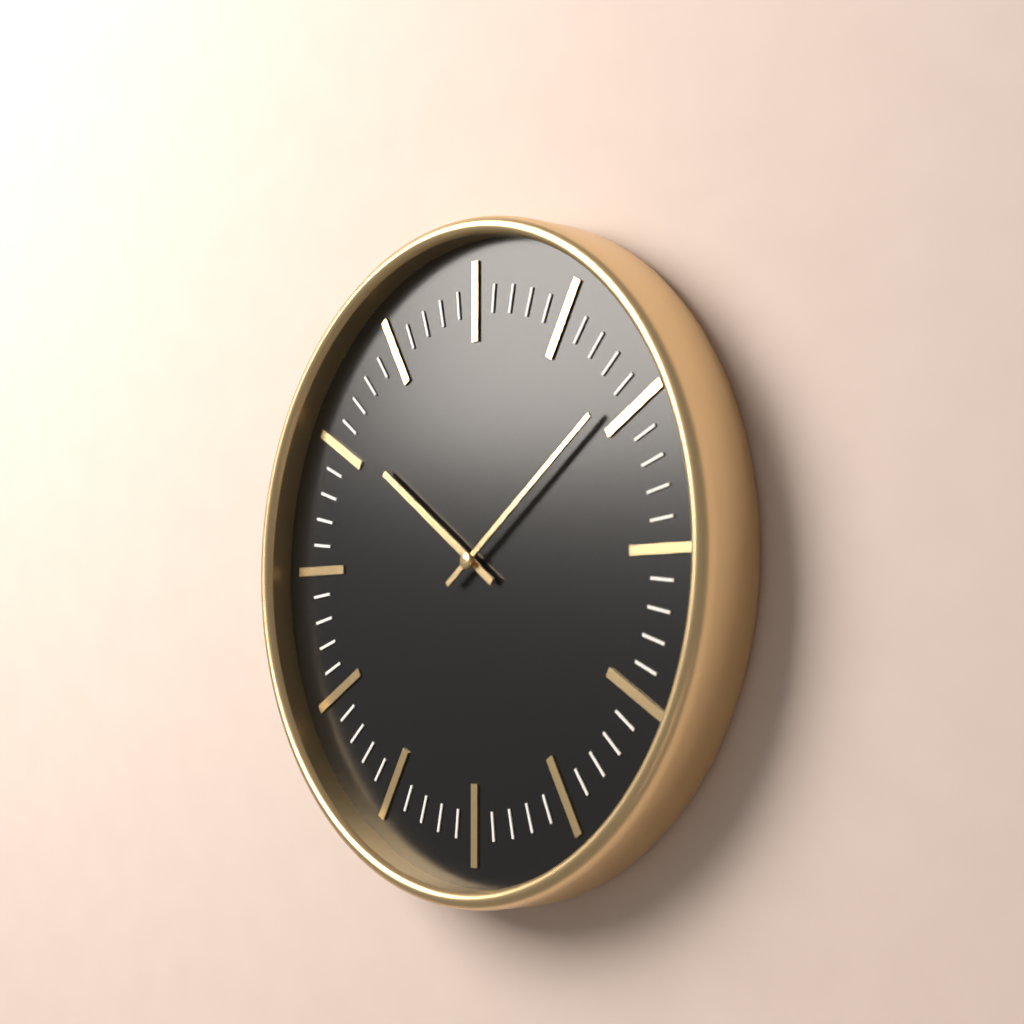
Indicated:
10.09
